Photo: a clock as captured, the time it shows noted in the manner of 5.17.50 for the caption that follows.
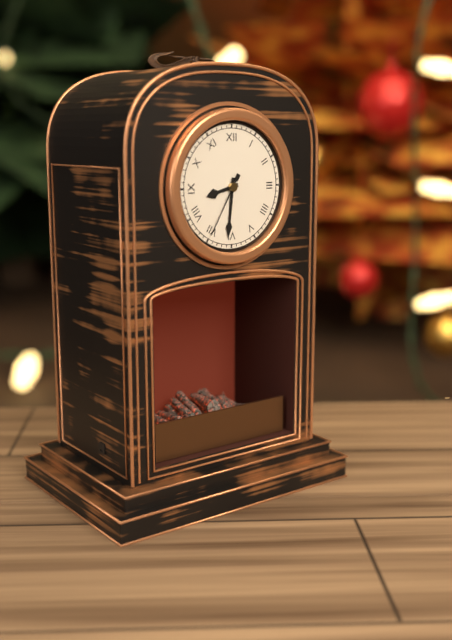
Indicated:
8.31.35
